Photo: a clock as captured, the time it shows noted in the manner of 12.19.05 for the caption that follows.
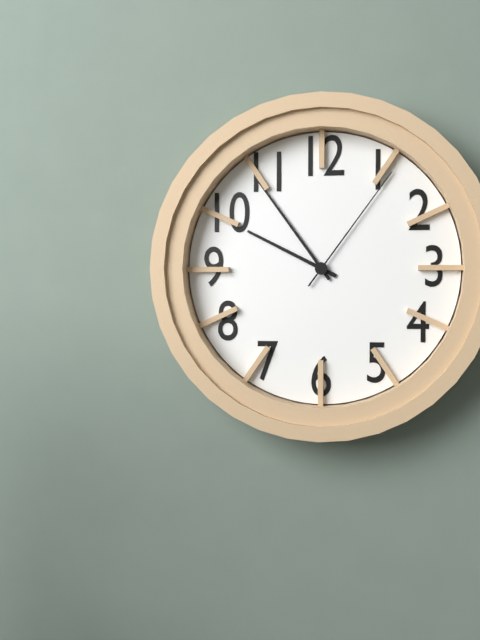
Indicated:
9.54.06
